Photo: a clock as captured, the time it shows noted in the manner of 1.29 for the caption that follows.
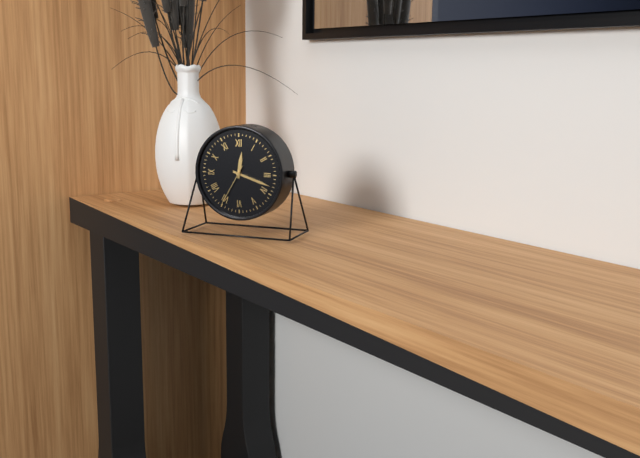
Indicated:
12.18
